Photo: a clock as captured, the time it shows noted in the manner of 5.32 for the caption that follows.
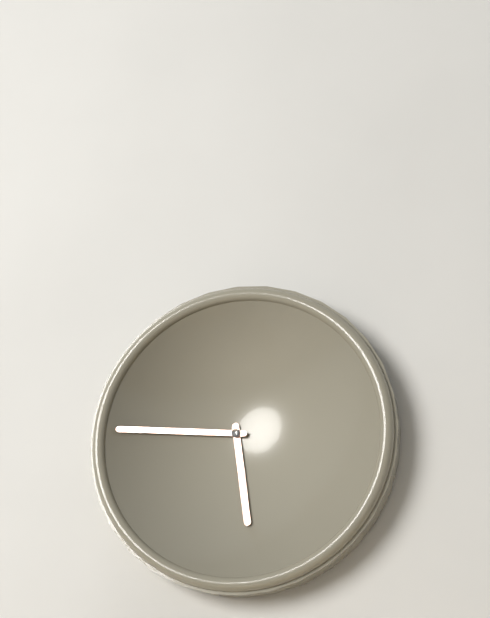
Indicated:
5.46
